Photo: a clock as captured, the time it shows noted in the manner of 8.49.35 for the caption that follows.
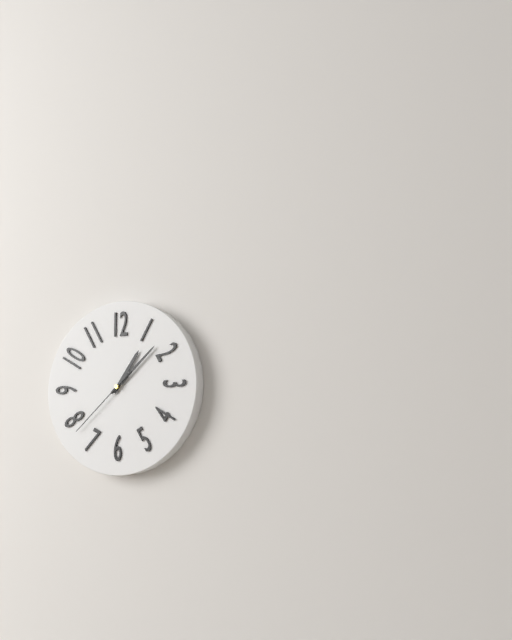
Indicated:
1.08.38
